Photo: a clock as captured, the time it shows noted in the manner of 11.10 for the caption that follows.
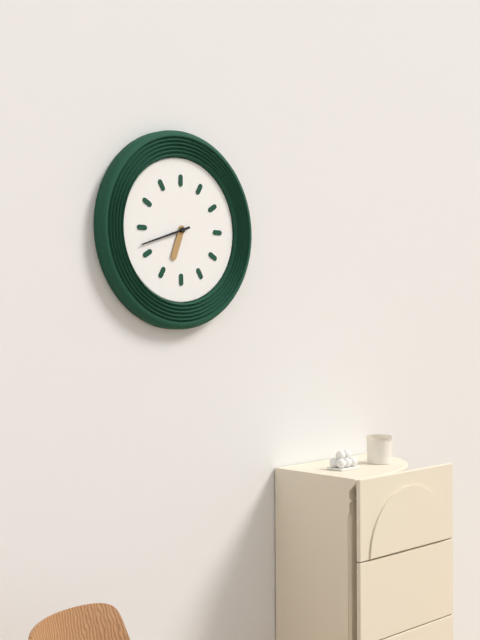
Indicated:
6.42
